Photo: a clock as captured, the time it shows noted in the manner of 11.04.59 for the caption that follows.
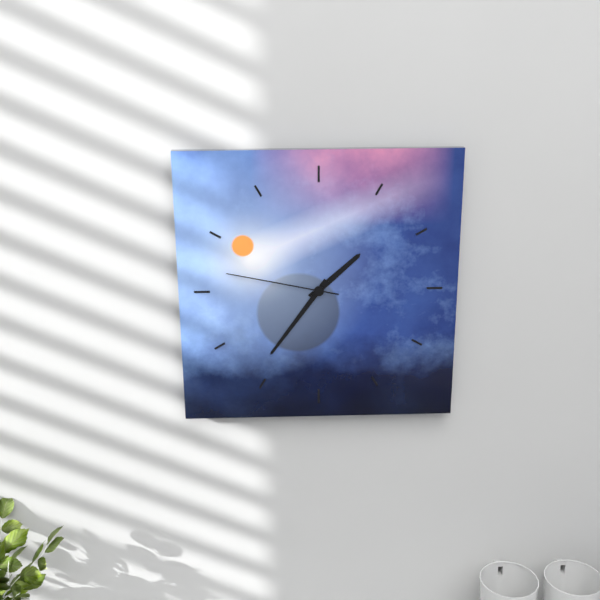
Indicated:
1.36.47
